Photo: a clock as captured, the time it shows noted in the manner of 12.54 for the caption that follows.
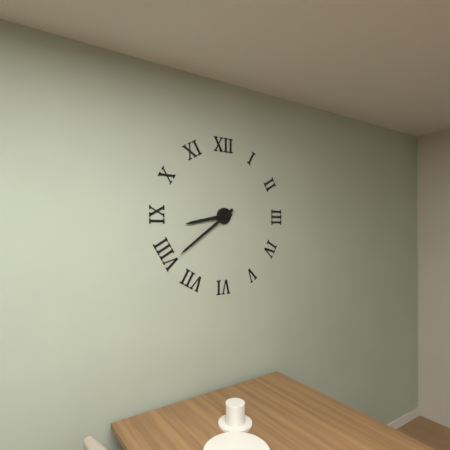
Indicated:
8.39
